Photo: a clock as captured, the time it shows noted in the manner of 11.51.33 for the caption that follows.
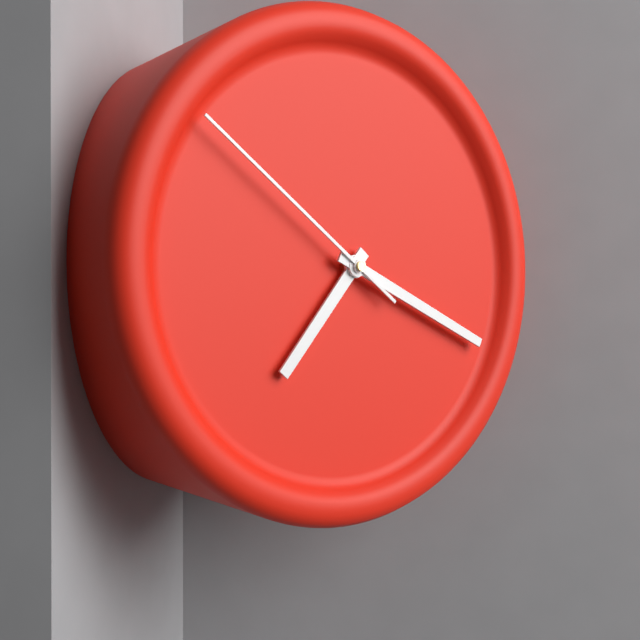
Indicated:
7.19.51
